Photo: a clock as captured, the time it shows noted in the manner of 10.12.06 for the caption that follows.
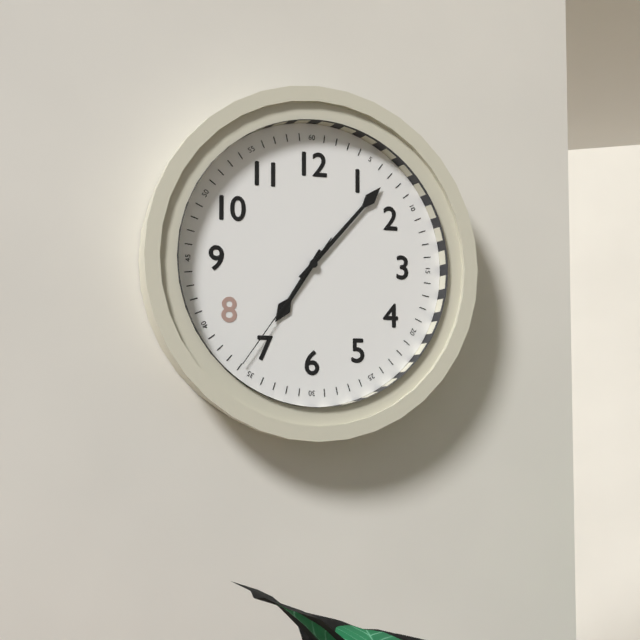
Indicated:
7.07.36
